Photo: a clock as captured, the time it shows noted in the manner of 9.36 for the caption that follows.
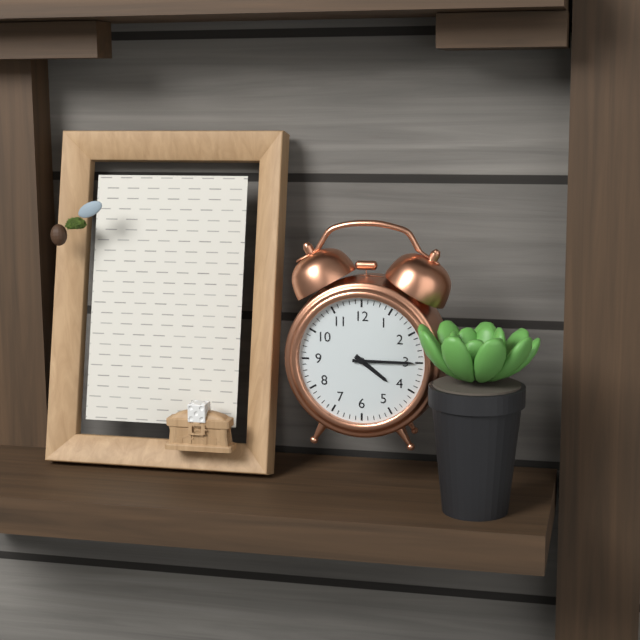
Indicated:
4.15
